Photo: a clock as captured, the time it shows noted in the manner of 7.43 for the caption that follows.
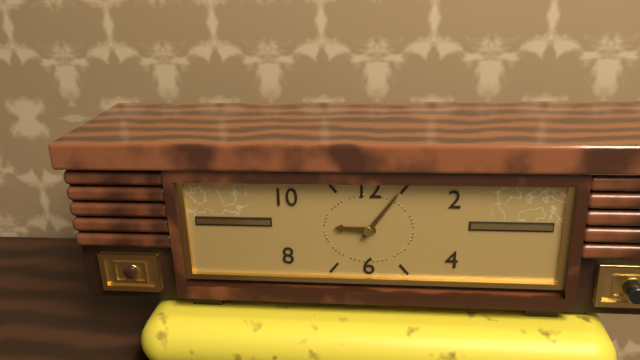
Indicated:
9.06
